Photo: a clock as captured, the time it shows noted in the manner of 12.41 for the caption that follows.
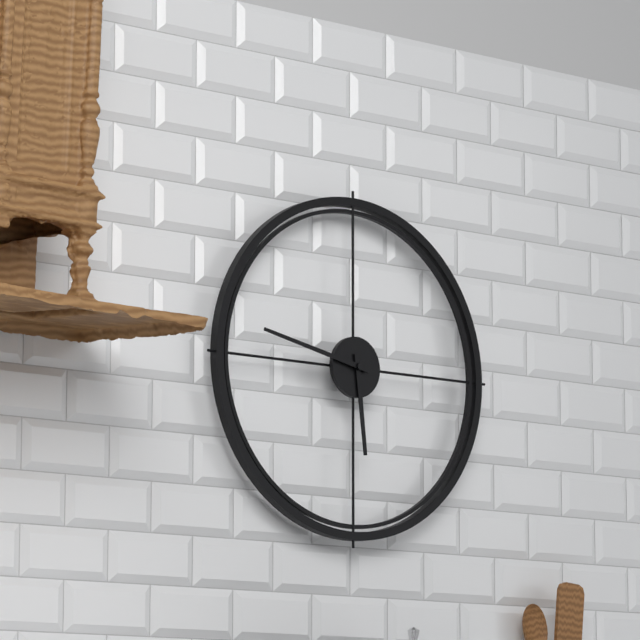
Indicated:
5.47
